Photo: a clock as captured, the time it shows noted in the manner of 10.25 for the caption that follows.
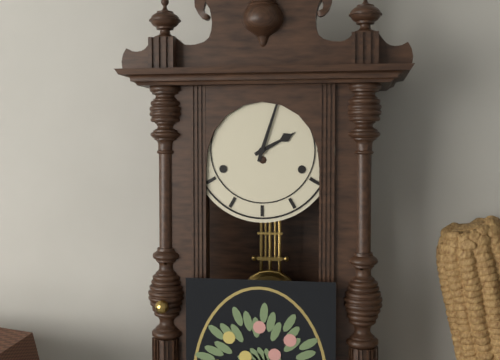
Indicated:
2.03
